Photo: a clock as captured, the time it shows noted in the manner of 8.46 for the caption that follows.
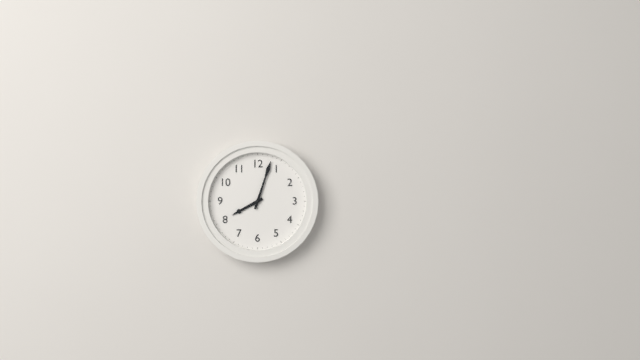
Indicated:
8.03
